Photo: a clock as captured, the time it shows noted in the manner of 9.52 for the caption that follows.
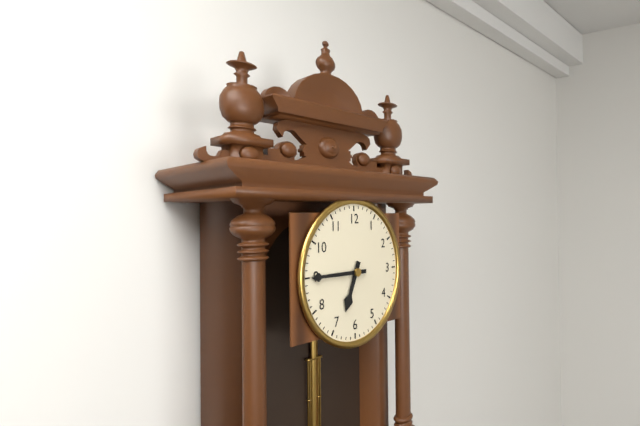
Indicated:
6.45
